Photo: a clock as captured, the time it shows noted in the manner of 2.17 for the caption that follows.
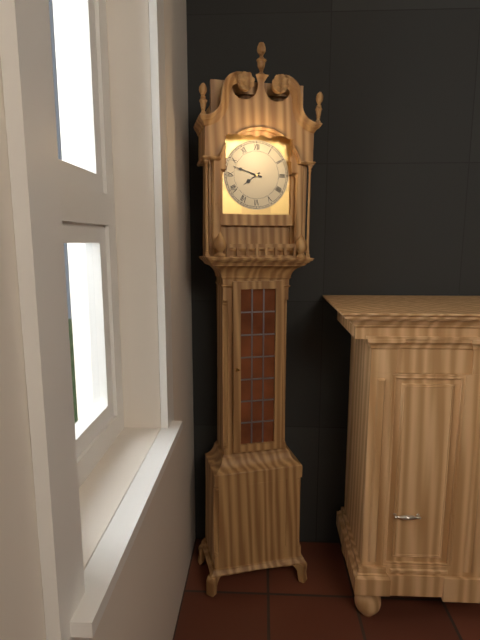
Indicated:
7.48
